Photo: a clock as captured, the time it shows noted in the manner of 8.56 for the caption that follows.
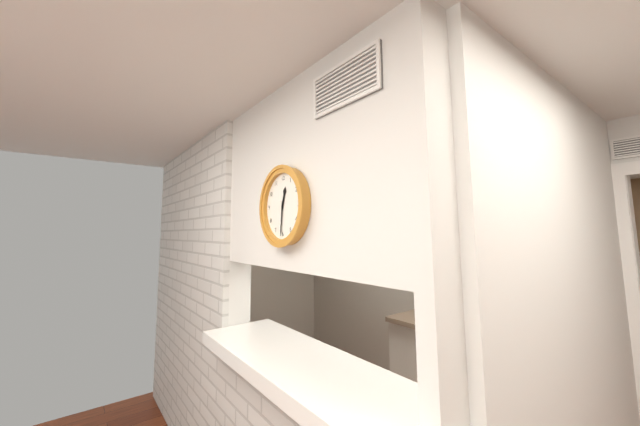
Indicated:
12.31
